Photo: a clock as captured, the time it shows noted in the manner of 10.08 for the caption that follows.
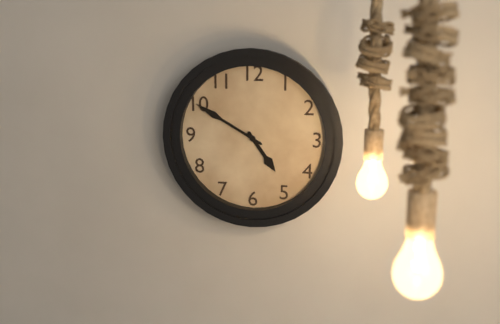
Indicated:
4.50
